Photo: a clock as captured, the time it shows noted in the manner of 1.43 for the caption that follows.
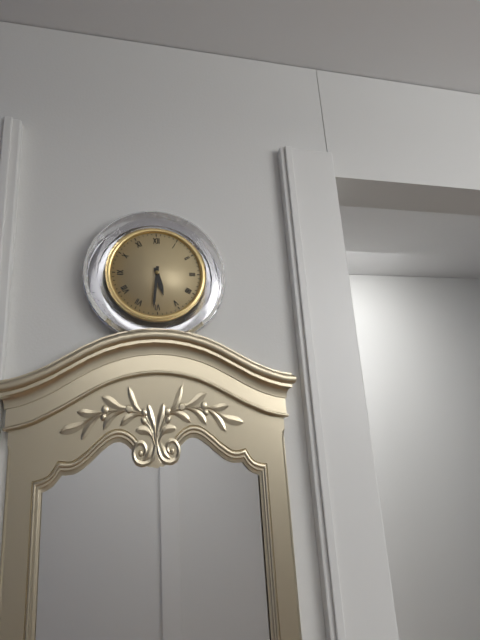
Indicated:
5.31
